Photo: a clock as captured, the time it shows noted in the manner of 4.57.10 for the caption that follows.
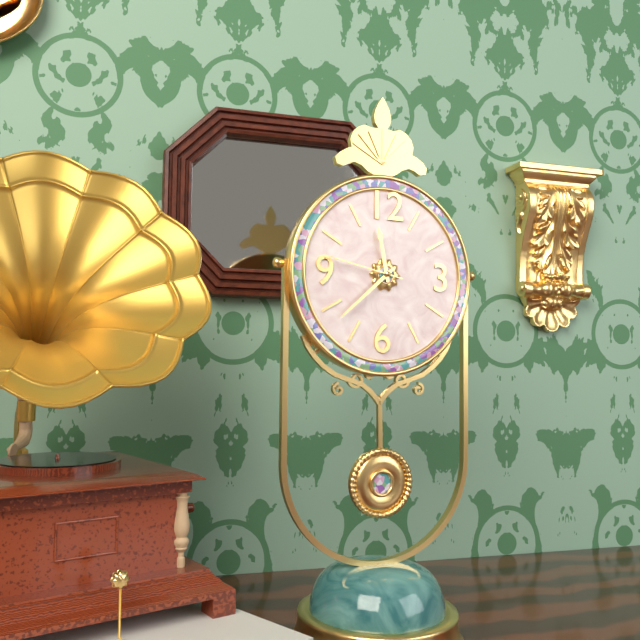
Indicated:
11.38.47
